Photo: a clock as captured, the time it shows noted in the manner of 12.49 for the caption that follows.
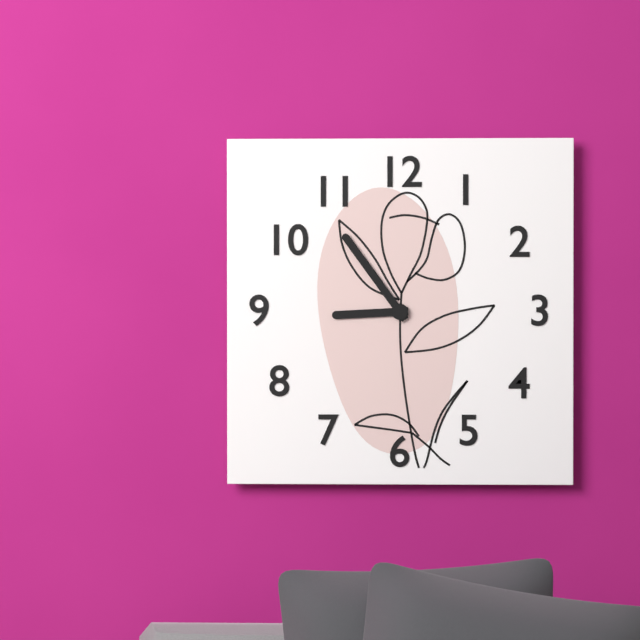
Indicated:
8.54
